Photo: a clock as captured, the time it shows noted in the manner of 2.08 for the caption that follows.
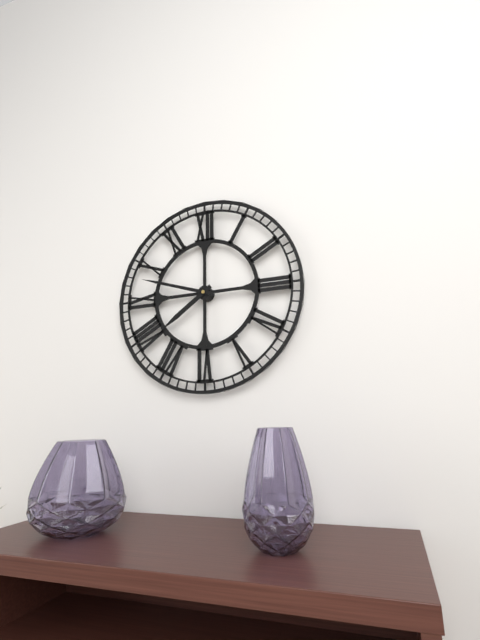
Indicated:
7.48
